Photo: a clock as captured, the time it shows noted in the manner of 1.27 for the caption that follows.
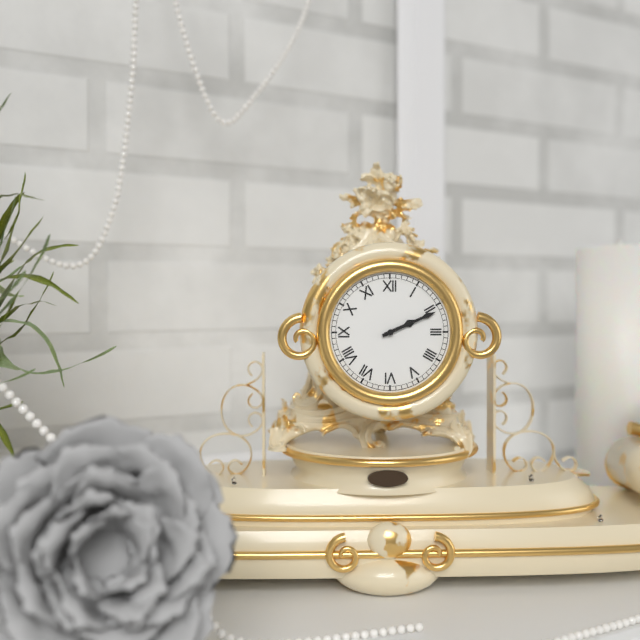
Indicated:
2.11
